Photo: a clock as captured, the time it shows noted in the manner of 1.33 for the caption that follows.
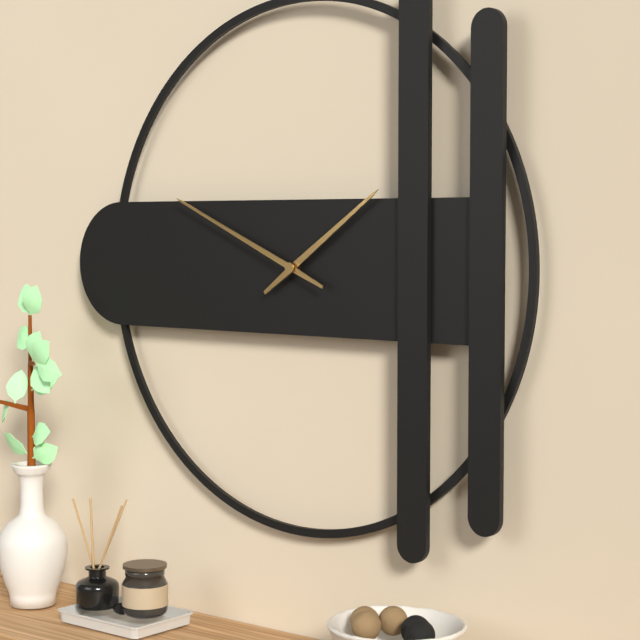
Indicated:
1.49
